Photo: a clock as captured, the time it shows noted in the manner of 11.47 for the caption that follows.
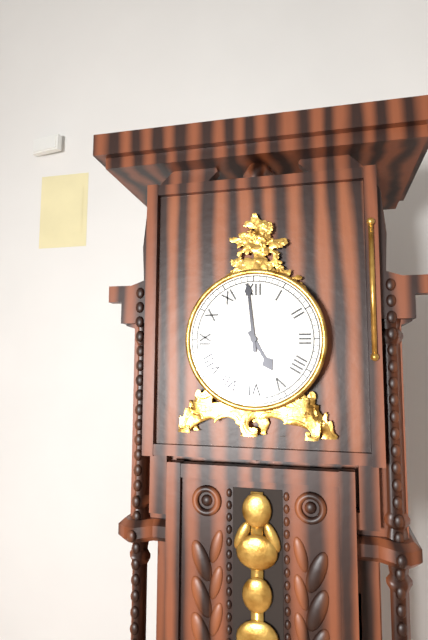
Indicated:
4.59
